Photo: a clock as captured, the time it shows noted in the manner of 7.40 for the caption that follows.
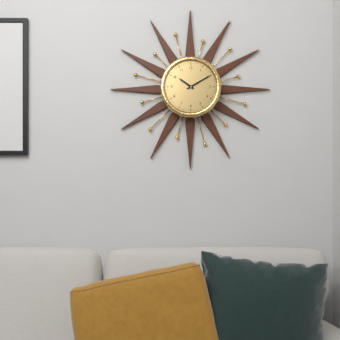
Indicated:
10.10
